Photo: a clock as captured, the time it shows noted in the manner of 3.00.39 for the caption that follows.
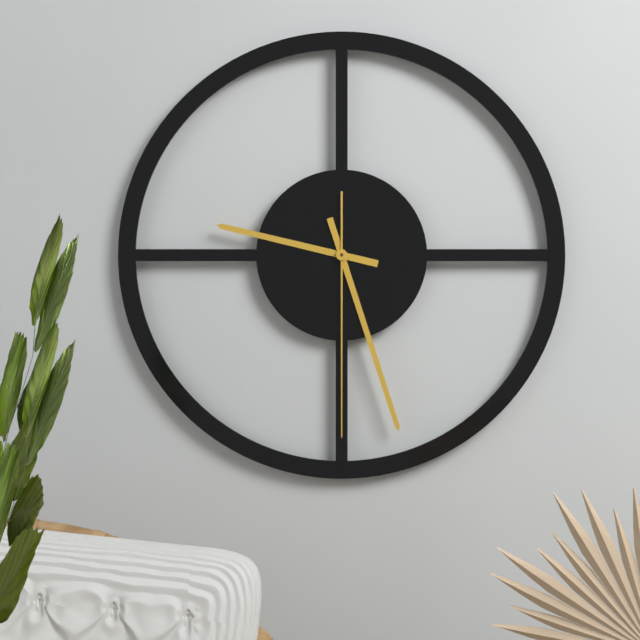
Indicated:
9.27.30
